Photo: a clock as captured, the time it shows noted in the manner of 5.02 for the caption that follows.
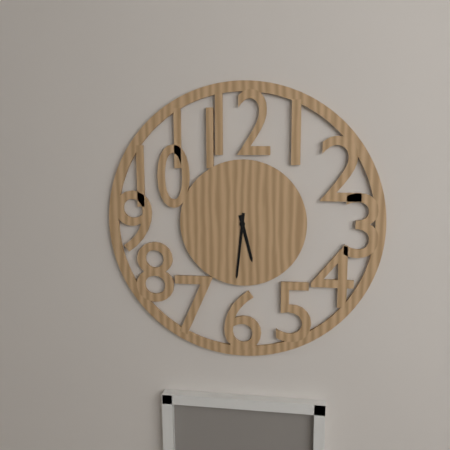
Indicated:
5.31
